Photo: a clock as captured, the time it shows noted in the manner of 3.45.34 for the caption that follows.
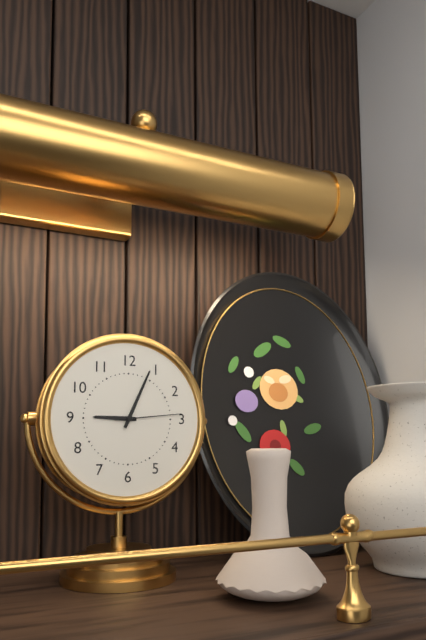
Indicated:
9.04.14
